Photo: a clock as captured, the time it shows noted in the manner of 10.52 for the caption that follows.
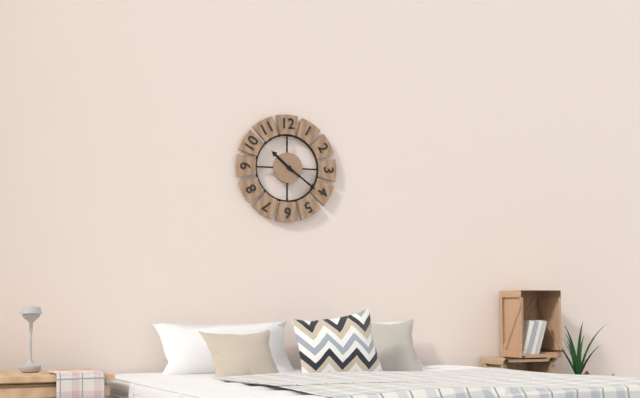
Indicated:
10.21
